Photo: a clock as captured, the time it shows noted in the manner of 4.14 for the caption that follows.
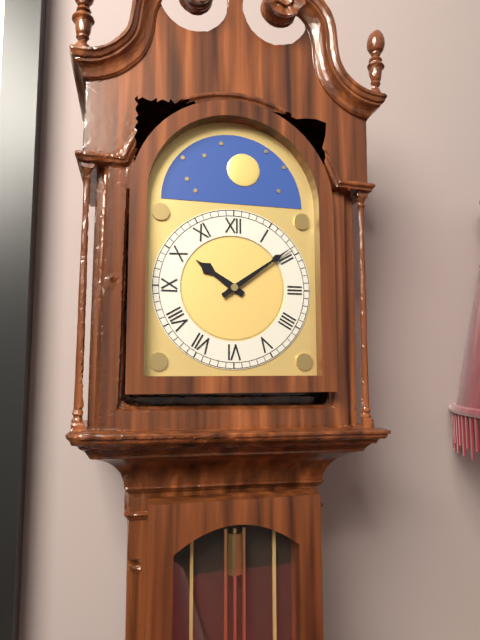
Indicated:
10.09
